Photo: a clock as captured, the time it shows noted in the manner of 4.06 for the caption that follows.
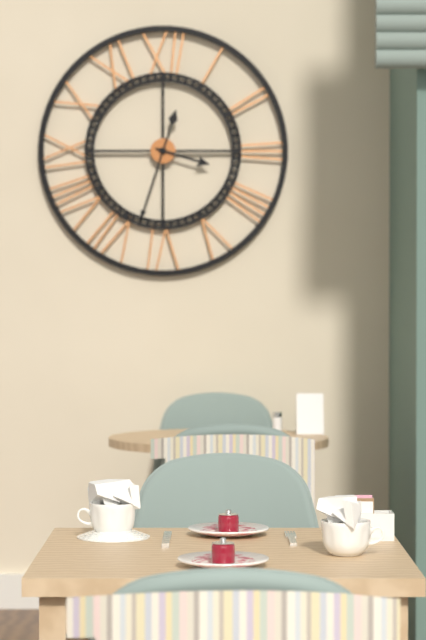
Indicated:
3.33
